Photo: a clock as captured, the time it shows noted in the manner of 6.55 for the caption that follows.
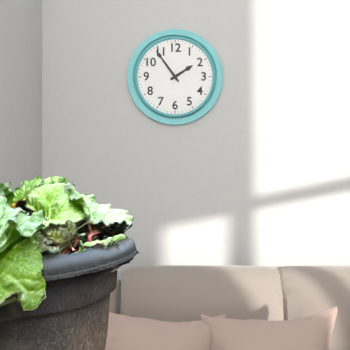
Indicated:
1.54
